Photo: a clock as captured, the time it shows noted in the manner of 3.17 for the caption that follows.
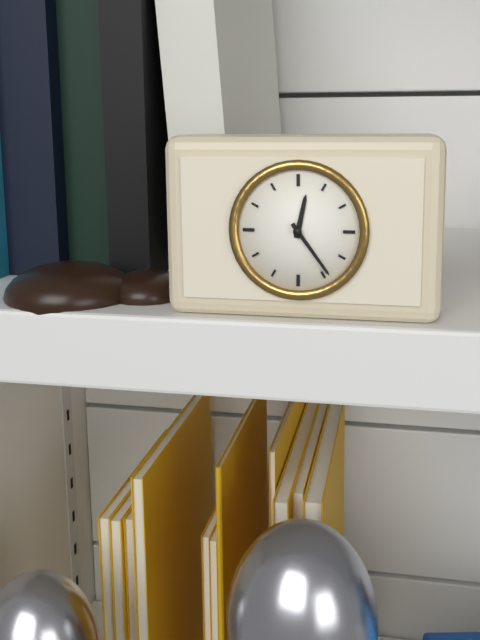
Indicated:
12.24
